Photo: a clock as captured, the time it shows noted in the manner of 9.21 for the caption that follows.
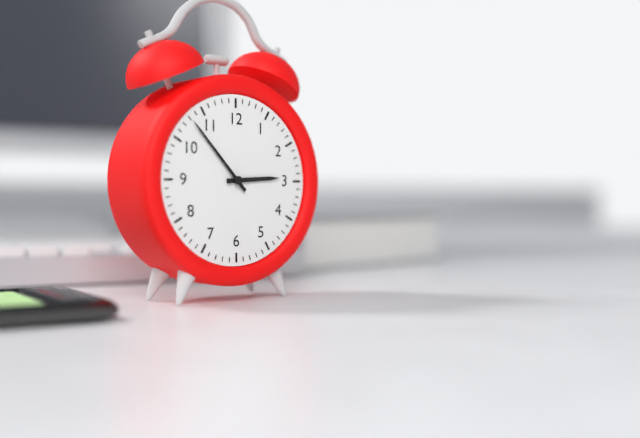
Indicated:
2.53
